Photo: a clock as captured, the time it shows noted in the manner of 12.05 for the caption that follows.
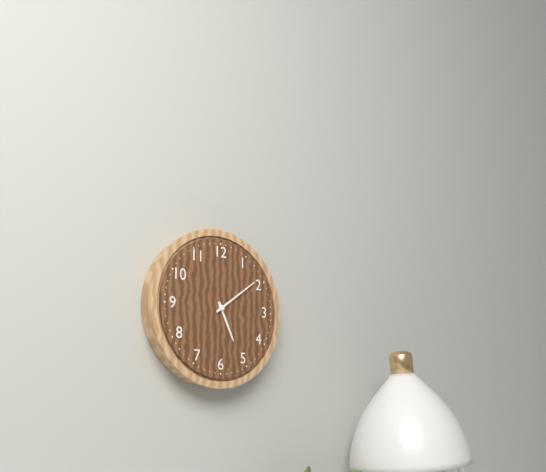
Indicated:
5.09
